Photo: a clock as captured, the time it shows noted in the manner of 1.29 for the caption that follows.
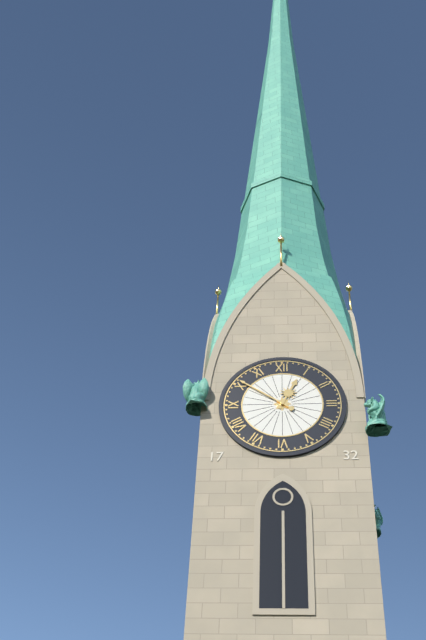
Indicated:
12.51
